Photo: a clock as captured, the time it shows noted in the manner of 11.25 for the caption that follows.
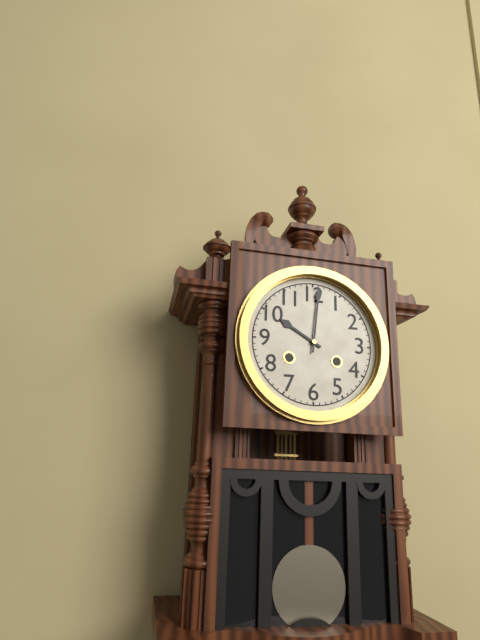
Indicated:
10.01
